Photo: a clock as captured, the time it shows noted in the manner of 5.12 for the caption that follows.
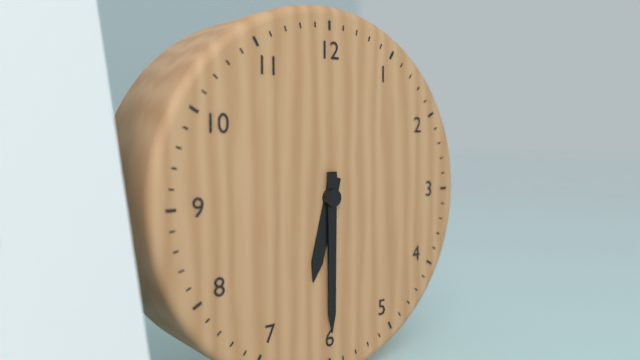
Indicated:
6.30
